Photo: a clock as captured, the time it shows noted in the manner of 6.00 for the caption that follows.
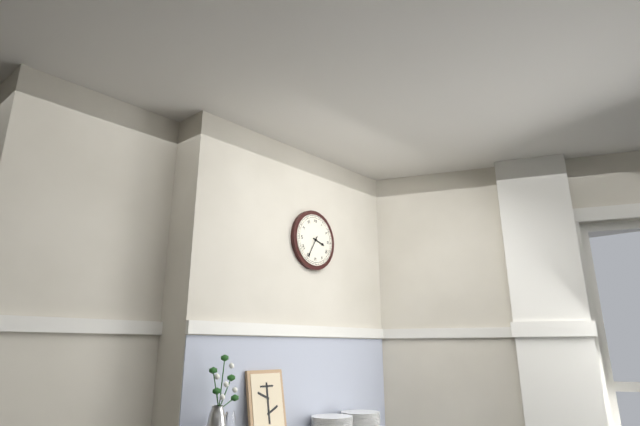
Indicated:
3.35
